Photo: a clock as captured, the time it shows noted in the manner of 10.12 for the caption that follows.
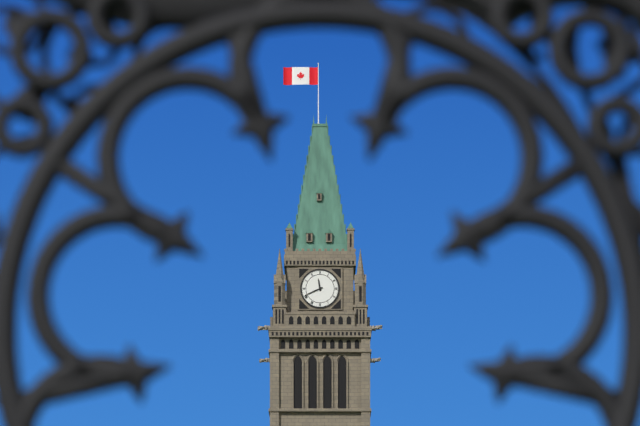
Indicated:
11.41
